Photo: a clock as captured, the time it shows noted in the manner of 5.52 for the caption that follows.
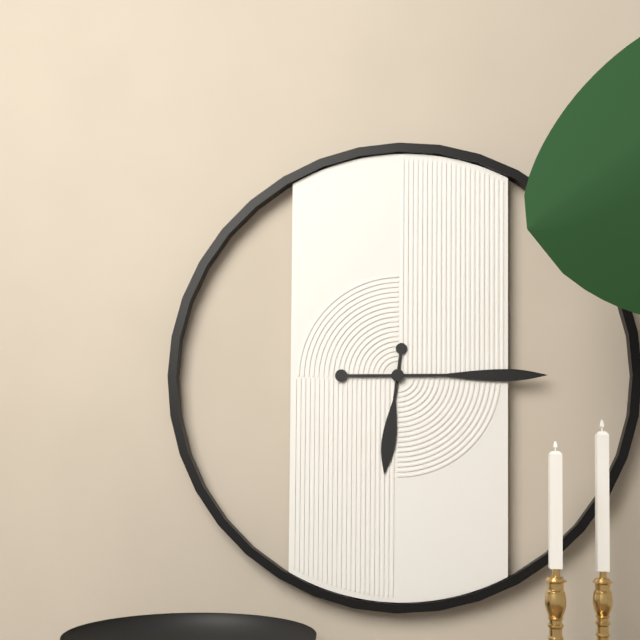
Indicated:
6.15
